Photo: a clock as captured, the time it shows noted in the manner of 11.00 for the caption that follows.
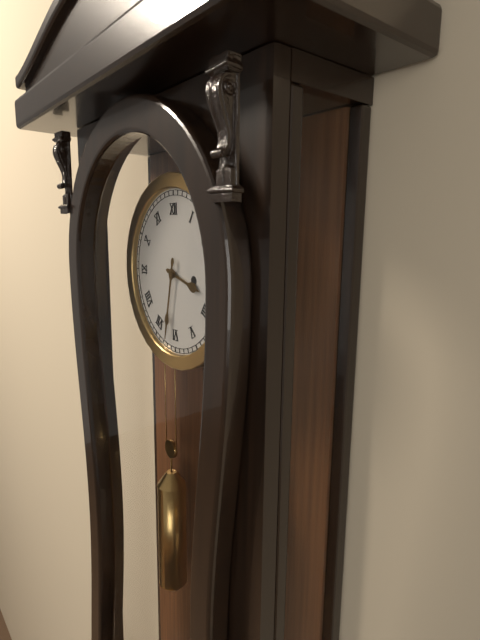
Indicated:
3.32
